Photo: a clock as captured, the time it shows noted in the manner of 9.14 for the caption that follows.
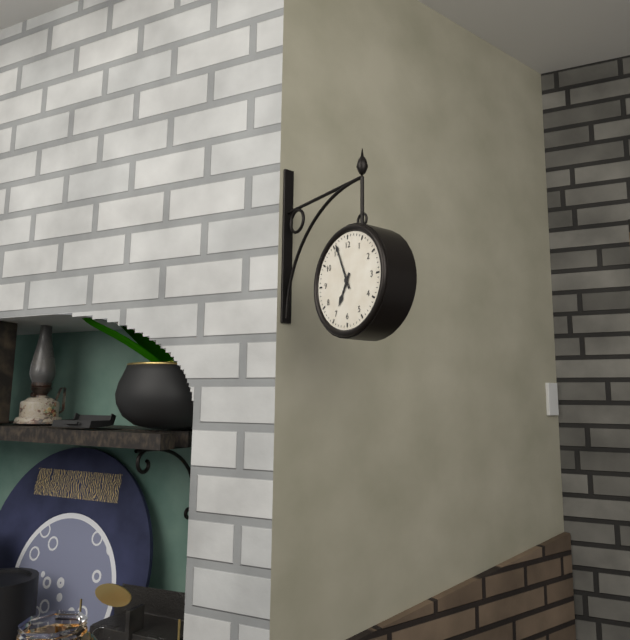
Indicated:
6.56
